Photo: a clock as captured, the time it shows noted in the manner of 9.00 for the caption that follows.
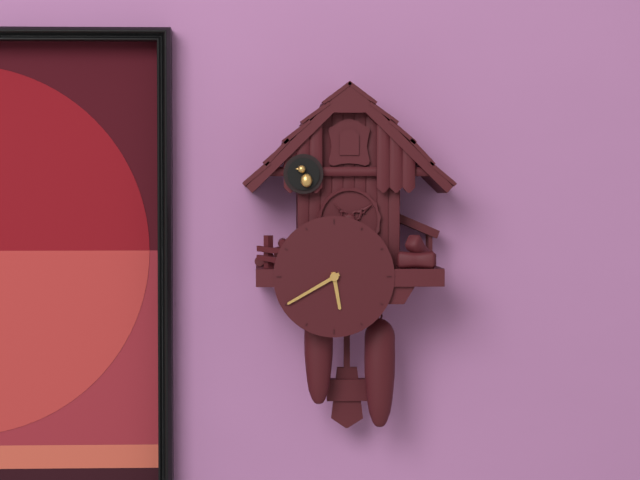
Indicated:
5.40
